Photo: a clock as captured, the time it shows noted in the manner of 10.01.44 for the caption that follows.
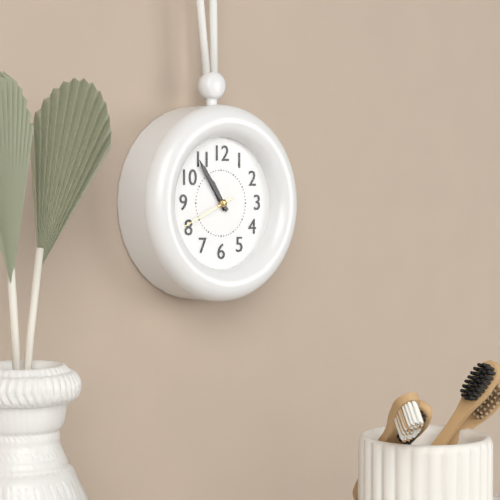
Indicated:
10.54.41
